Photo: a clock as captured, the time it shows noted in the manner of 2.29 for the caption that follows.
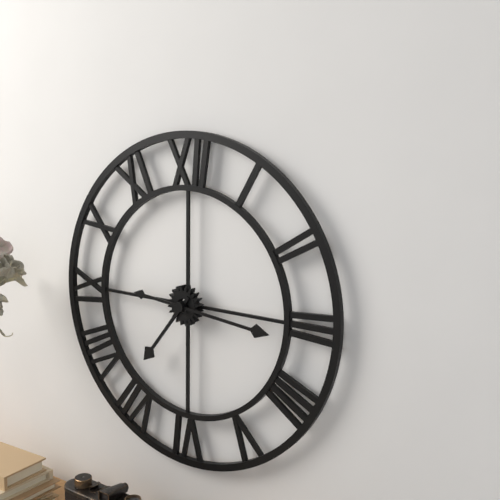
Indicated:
7.16
